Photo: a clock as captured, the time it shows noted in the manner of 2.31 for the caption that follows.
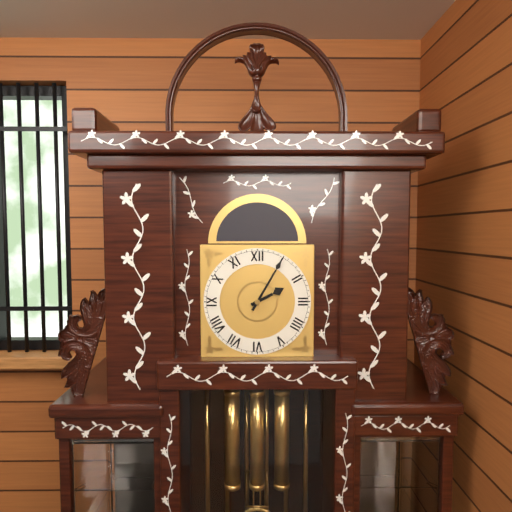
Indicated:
2.05
